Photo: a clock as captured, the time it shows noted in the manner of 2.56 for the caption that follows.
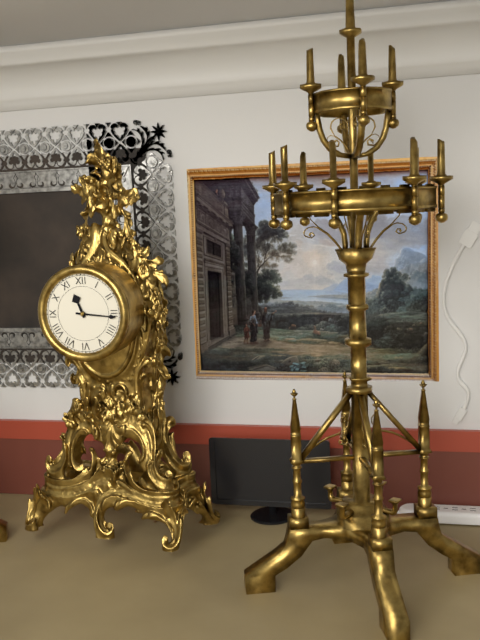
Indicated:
11.16
